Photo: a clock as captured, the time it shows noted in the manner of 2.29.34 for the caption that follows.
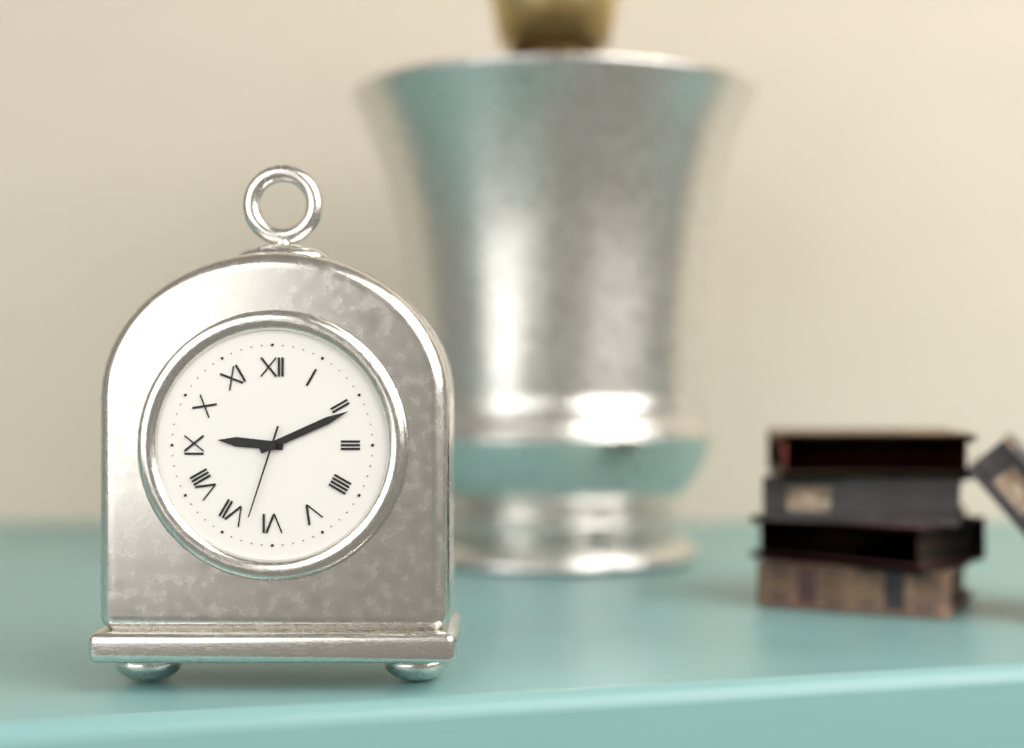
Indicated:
9.11.33
